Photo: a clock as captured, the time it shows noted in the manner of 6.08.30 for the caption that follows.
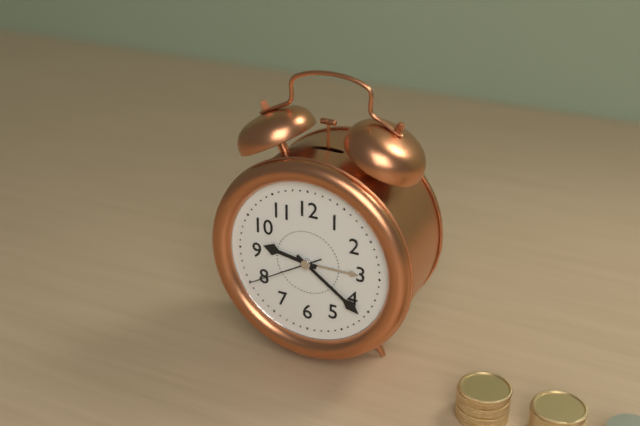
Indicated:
9.21.40
